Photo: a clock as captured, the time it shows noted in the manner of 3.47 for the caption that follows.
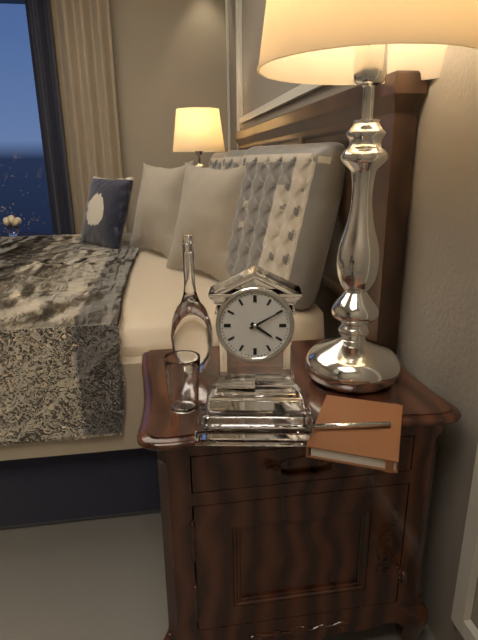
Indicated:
4.10
